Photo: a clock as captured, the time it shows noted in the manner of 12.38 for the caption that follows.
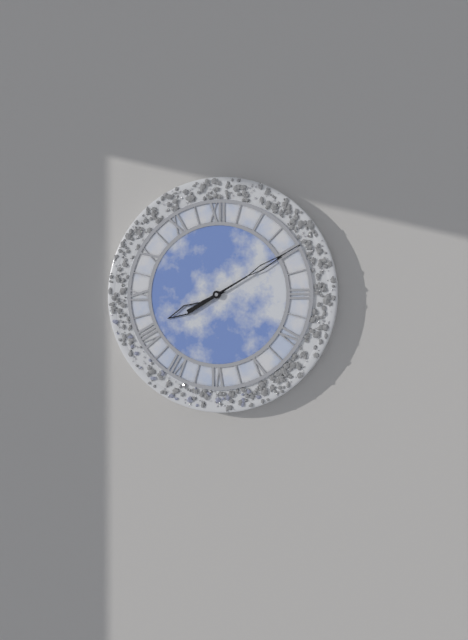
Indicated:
8.10
